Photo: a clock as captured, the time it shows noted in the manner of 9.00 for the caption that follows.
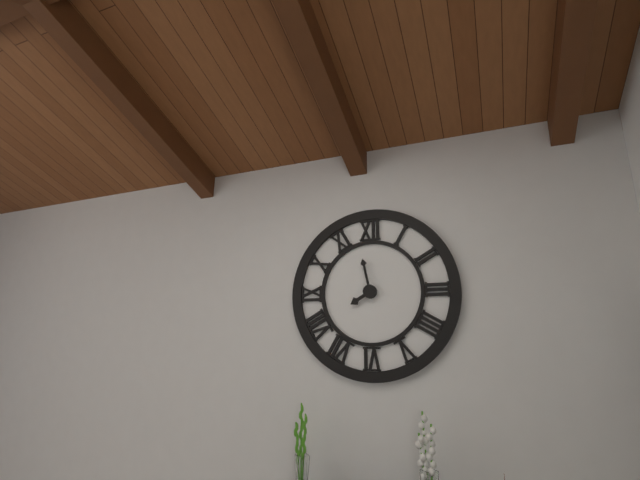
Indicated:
7.58
